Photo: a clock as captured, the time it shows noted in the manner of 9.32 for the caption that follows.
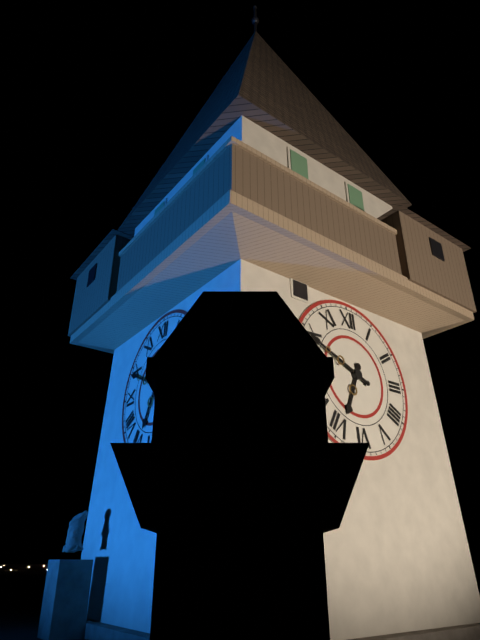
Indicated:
6.49
